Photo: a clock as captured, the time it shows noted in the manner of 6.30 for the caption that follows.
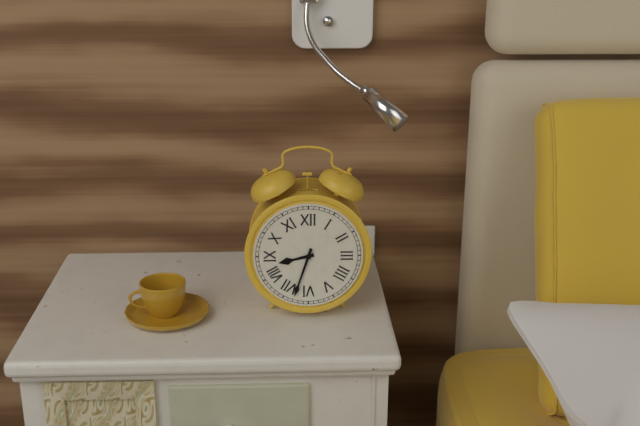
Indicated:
8.33
